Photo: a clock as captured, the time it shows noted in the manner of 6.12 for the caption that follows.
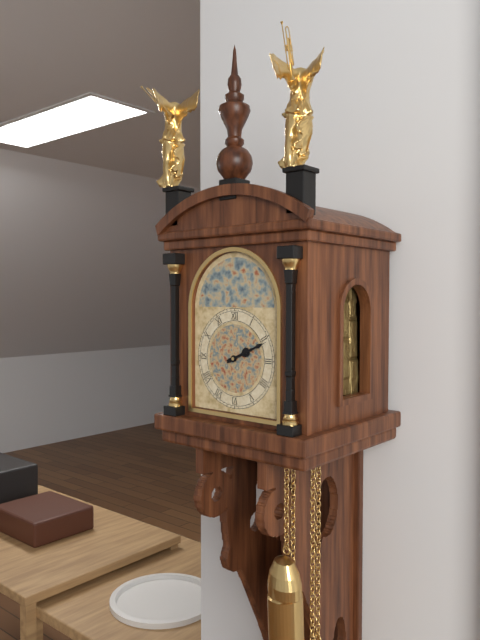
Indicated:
2.11
